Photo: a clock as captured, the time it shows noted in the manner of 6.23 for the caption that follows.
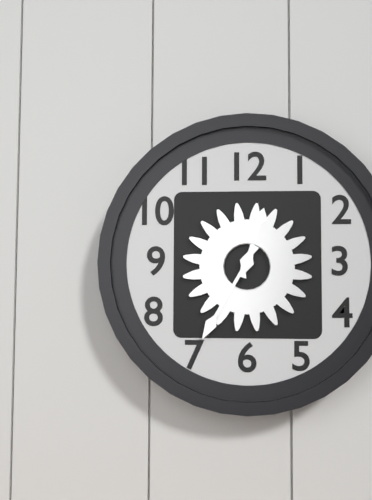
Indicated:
12.35
